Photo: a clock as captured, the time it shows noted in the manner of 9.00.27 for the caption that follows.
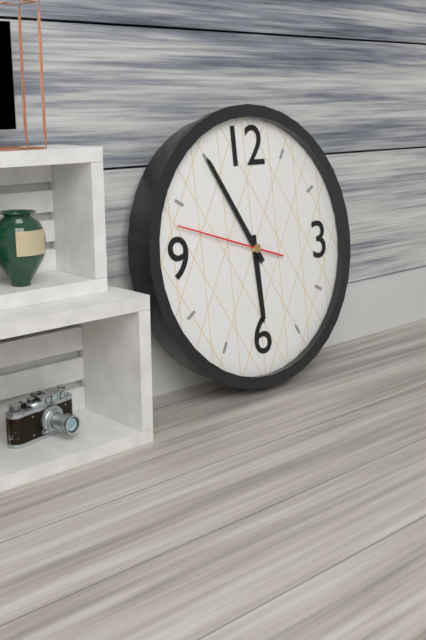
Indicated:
5.55.48
